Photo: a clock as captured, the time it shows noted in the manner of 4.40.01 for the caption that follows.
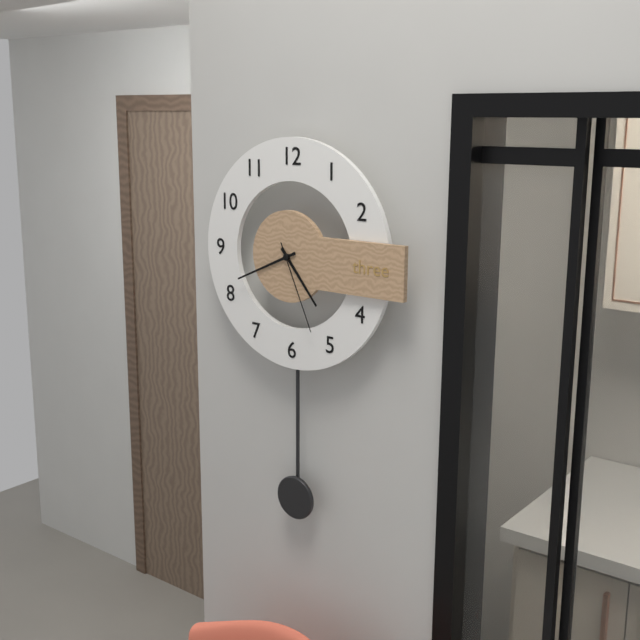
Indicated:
4.41.26
